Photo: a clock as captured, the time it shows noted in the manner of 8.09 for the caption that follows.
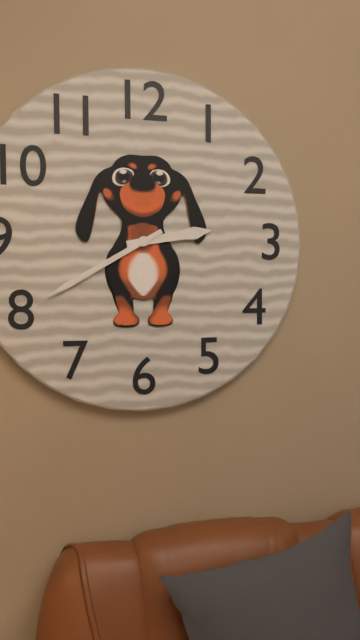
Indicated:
2.40
